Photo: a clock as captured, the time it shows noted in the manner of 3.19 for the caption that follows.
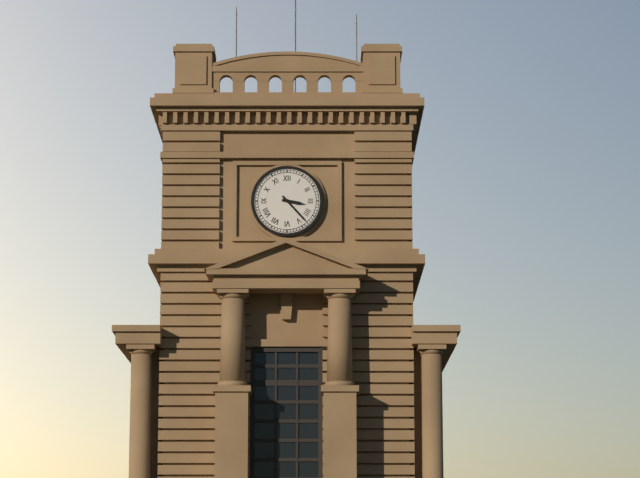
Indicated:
3.23
